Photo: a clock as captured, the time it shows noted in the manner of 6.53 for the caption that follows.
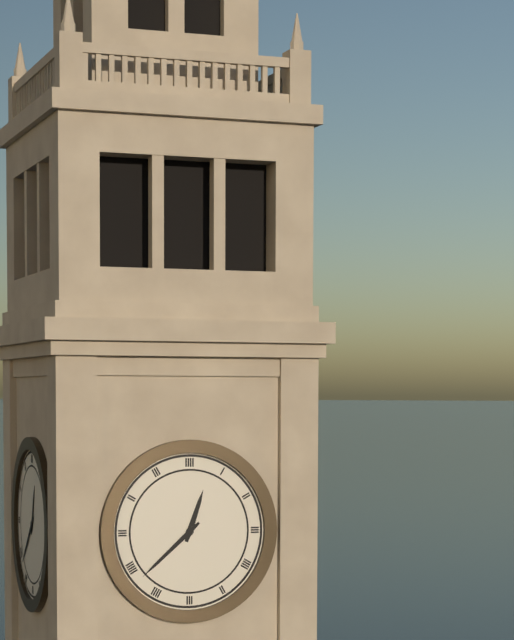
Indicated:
12.38
